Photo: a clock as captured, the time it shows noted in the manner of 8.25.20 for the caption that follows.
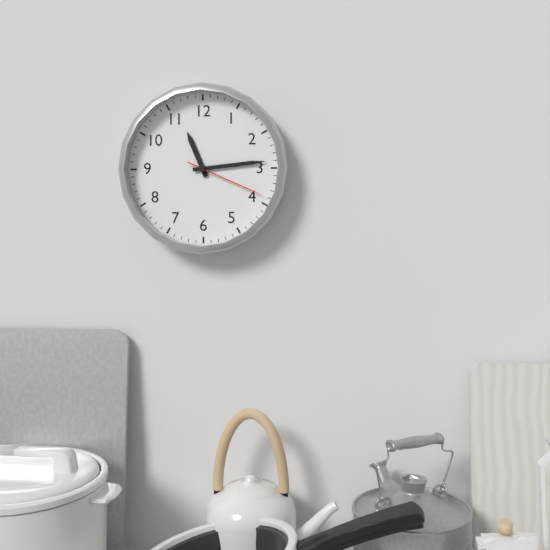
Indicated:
11.14.19
